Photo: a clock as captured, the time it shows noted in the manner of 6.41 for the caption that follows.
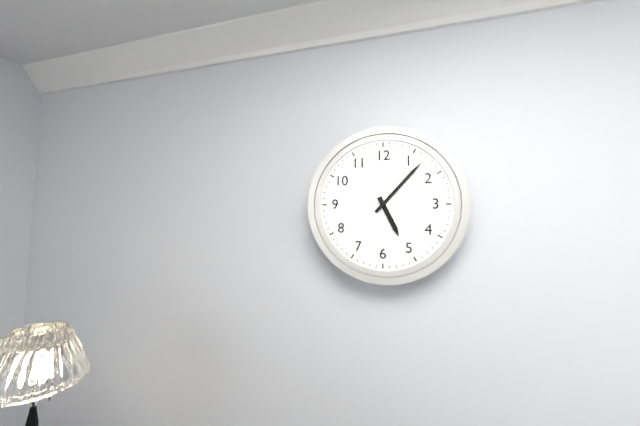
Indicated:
5.07
